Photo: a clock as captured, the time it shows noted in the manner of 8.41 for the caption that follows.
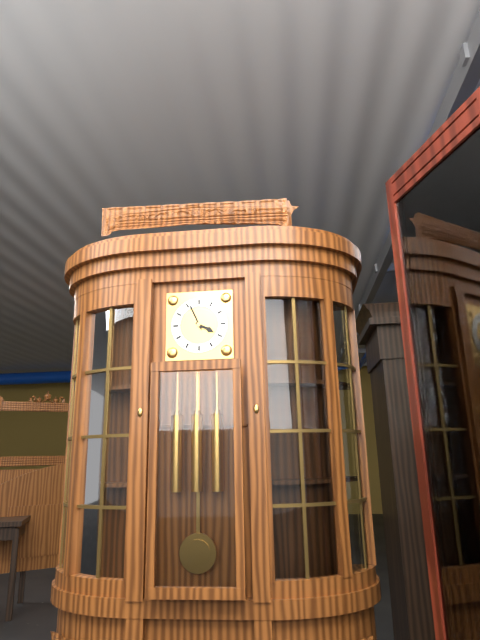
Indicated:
3.56
